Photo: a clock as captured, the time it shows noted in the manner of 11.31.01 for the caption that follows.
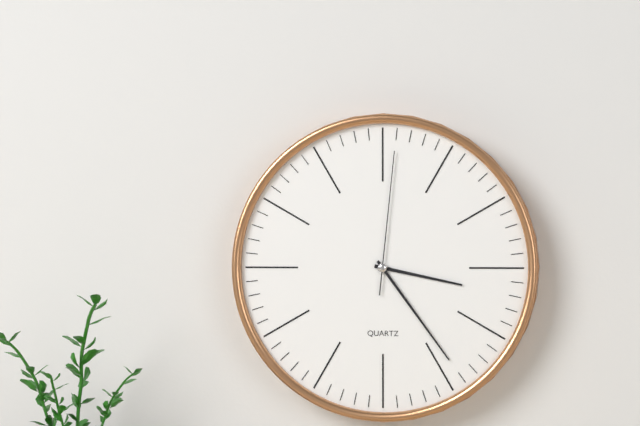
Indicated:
3.24.01
